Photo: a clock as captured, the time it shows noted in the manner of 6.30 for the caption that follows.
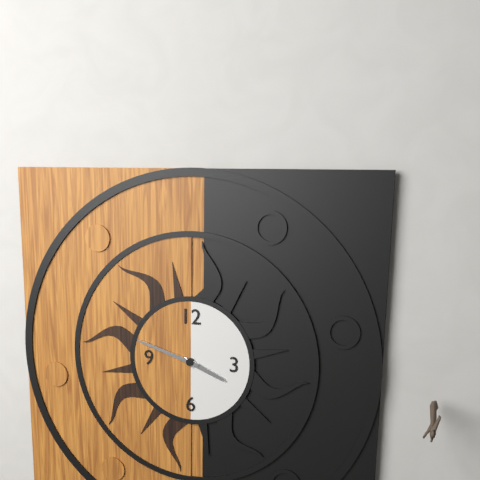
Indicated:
3.48
